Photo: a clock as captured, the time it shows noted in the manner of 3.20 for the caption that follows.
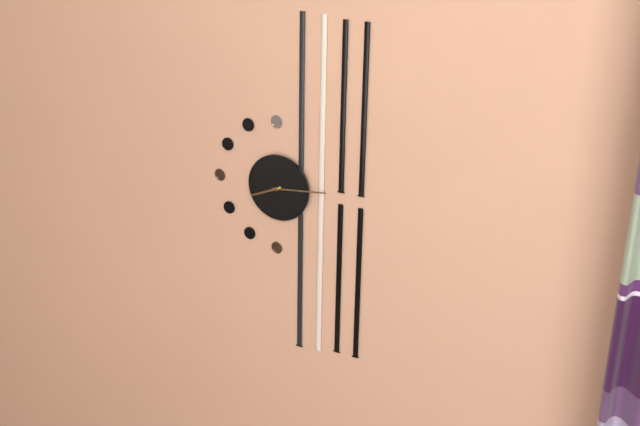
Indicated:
8.14
